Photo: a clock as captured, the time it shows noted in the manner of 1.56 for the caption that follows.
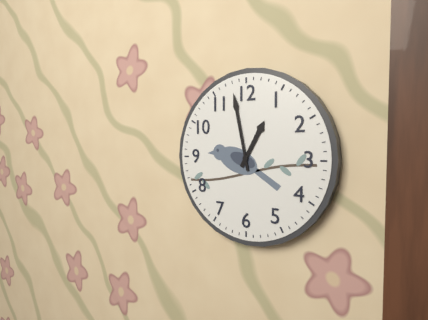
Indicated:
12.58
